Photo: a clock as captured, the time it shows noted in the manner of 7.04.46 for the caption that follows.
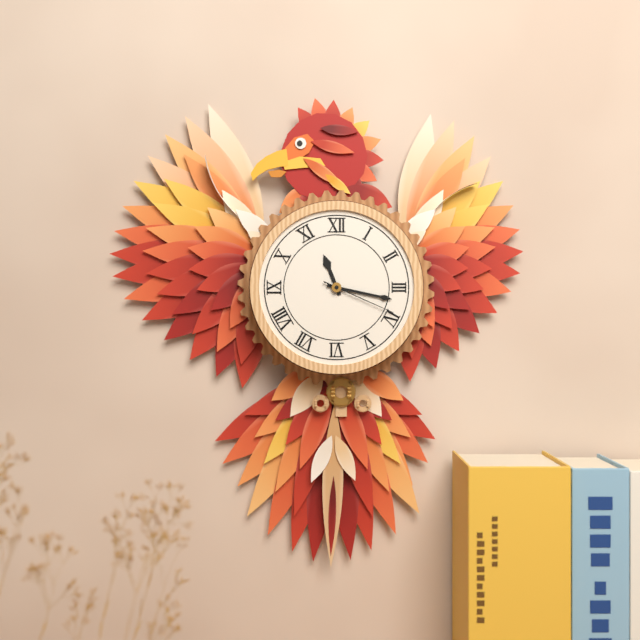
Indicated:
11.17.19
